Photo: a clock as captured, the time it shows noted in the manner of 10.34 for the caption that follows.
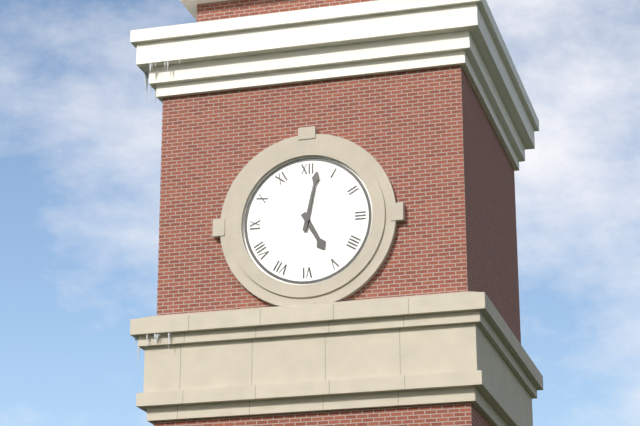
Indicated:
5.02
